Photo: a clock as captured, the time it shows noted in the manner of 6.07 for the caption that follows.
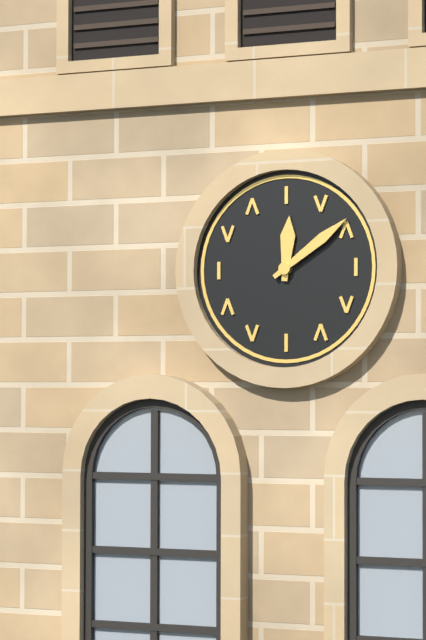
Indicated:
12.09
